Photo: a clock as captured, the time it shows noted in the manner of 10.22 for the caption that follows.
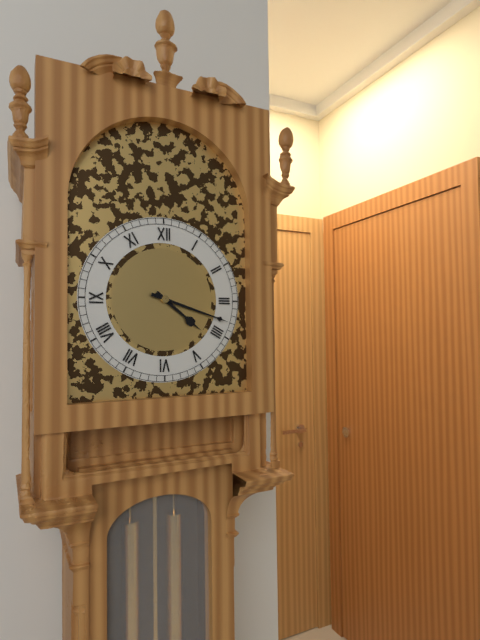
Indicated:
4.18
